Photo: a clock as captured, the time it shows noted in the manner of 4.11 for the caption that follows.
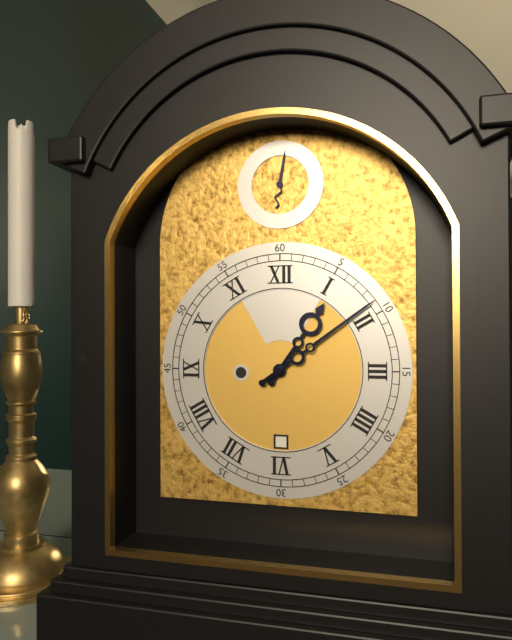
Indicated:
1.09
